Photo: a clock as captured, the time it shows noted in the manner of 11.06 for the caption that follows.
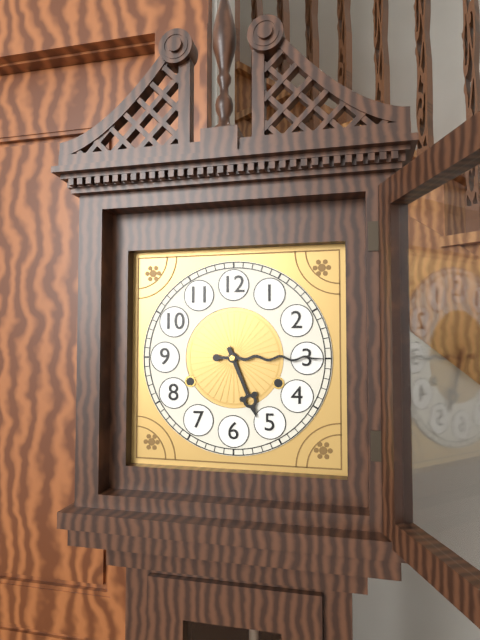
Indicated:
5.15
